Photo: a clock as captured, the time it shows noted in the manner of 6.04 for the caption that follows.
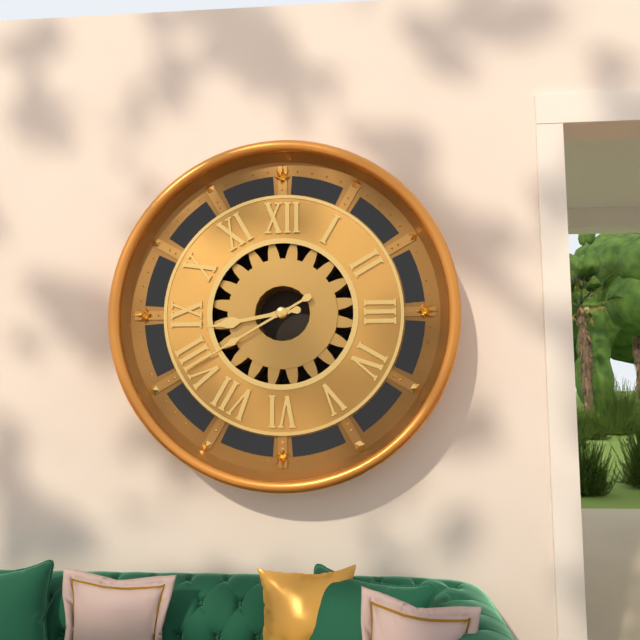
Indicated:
8.40
